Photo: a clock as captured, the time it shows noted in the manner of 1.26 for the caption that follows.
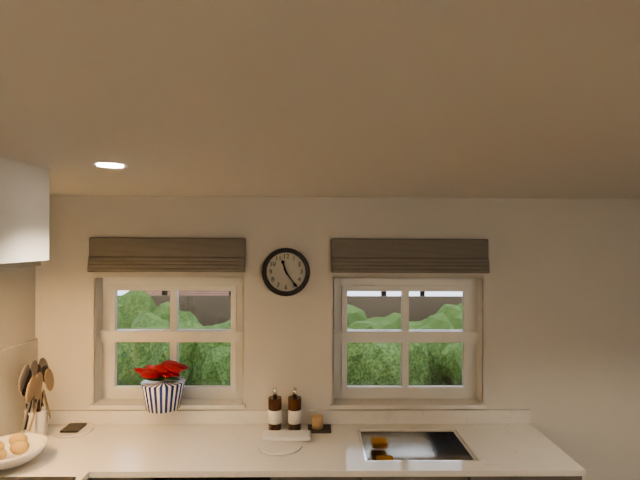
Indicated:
11.24
